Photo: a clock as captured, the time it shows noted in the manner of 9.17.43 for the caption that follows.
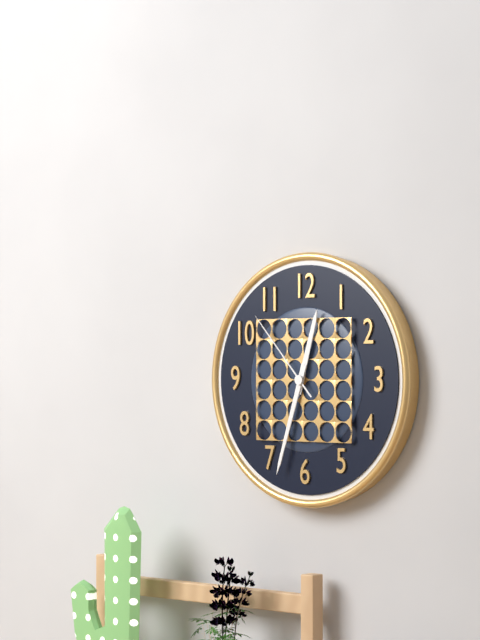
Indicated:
12.33.53
